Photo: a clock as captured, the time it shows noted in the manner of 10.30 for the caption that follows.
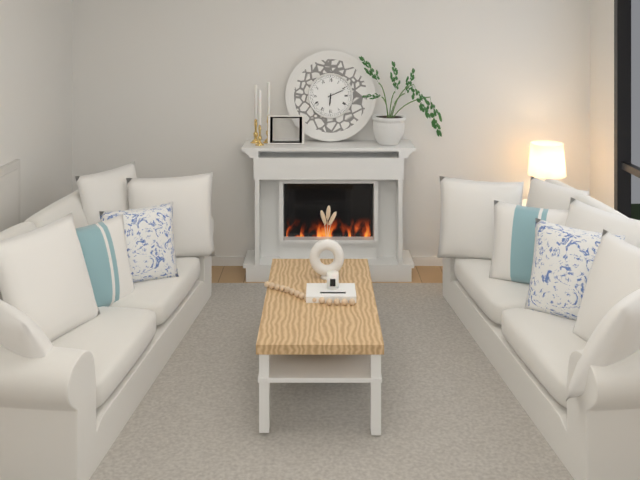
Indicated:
6.11
